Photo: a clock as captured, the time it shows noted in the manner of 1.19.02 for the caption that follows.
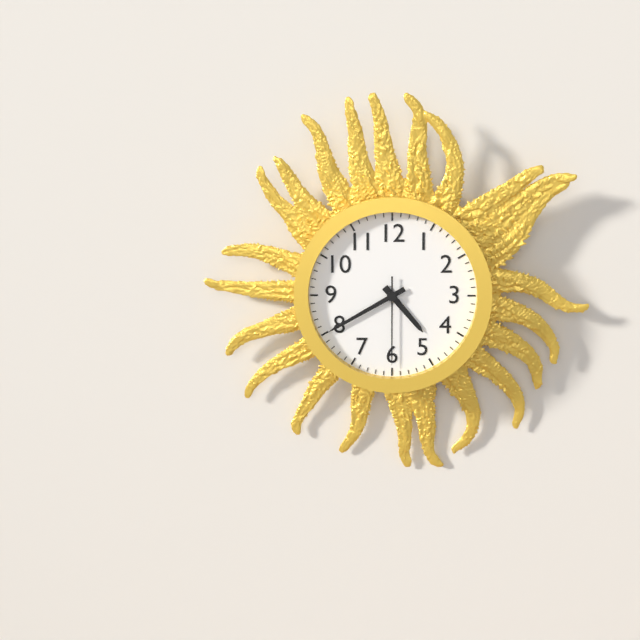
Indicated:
4.40.30
